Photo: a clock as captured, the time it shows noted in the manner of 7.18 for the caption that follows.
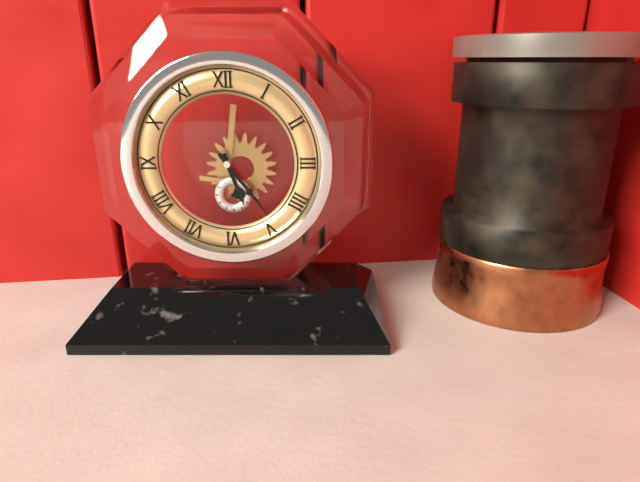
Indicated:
5.24
